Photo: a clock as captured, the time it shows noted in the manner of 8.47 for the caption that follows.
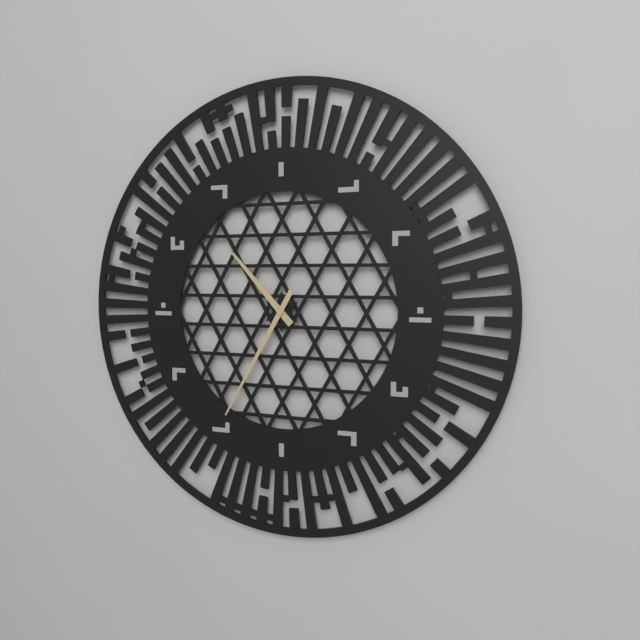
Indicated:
10.35
